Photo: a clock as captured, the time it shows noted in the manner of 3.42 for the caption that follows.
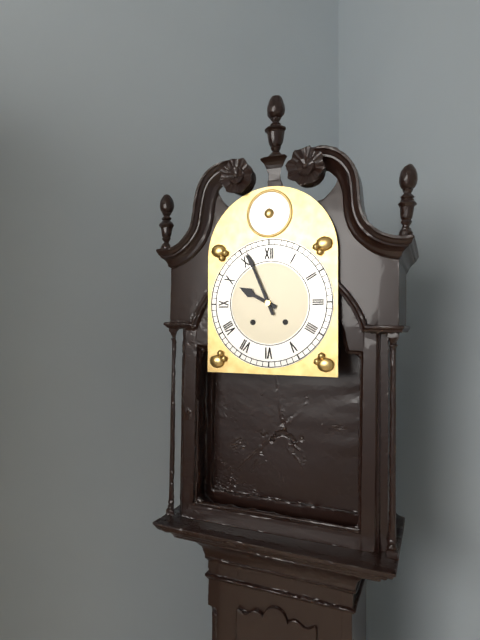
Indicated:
9.56
